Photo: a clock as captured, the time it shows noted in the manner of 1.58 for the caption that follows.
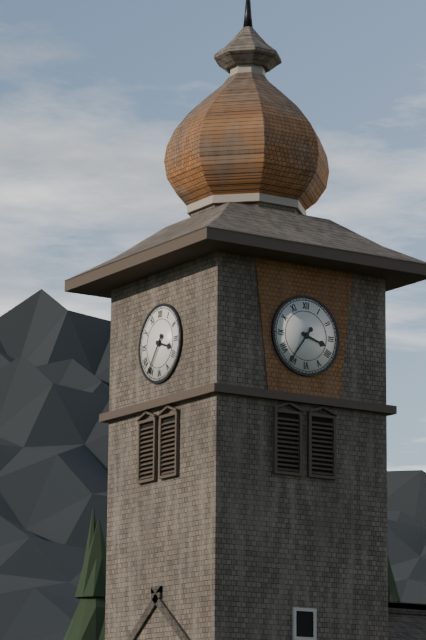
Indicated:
3.36
